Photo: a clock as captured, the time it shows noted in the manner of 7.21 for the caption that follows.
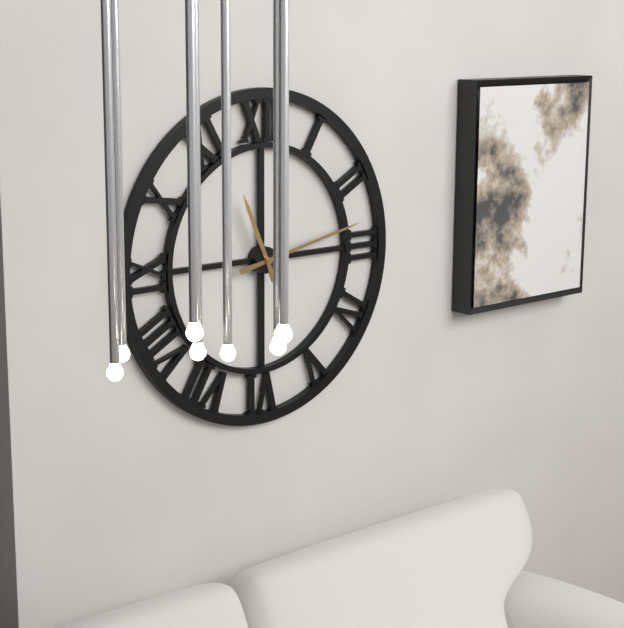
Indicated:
11.13
